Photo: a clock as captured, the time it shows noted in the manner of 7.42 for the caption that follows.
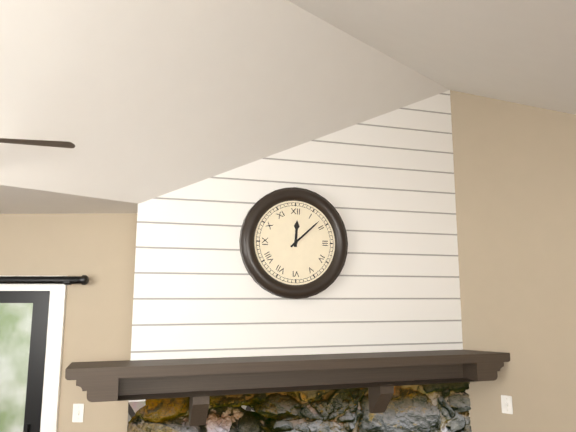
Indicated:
12.08
